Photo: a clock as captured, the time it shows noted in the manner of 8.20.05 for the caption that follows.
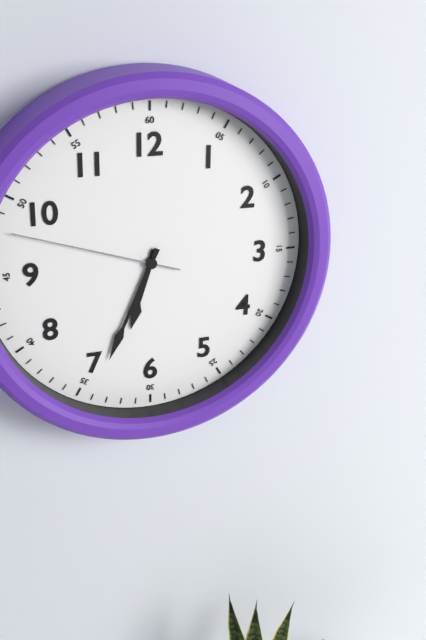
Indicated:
6.34.48
